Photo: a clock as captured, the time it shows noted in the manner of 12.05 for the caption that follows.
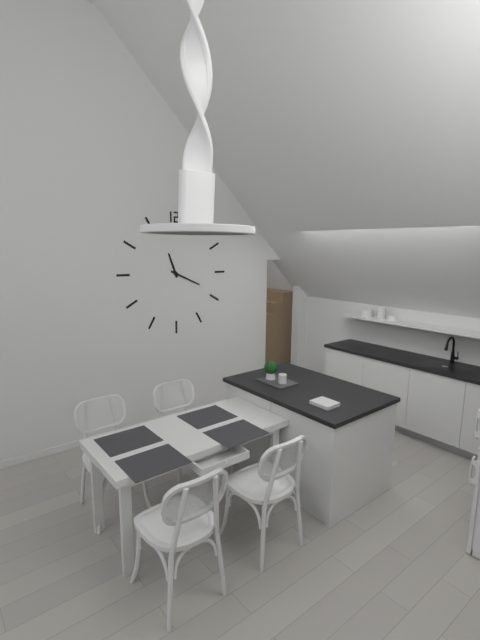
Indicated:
11.19
